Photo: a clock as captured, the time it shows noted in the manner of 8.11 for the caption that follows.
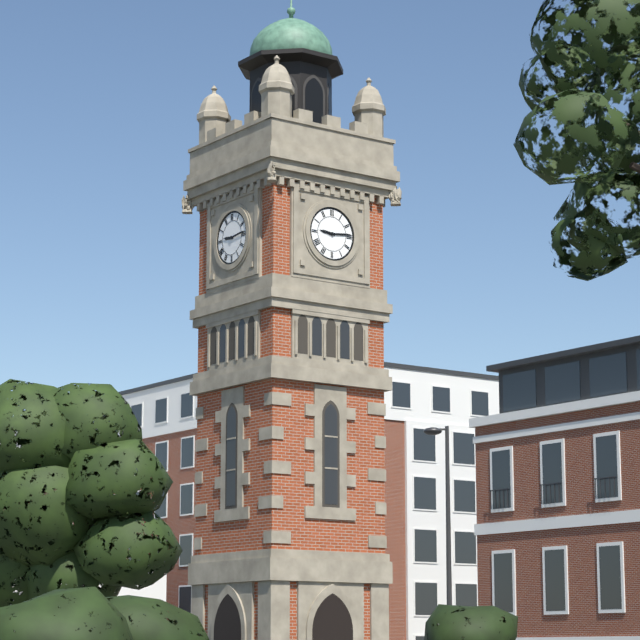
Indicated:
9.14
